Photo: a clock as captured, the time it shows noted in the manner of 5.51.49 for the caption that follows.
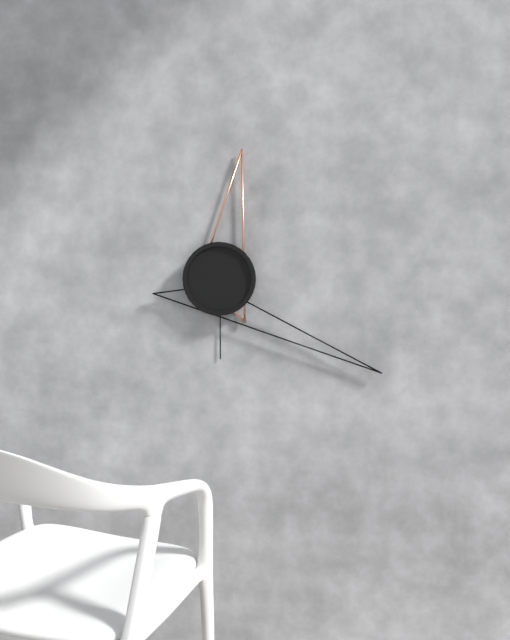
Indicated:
12.20.30
